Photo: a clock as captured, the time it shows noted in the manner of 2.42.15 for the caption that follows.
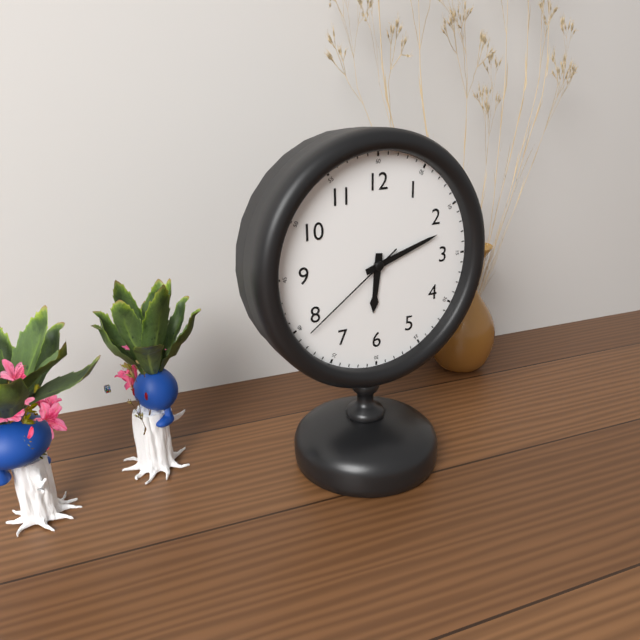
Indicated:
6.12.39
